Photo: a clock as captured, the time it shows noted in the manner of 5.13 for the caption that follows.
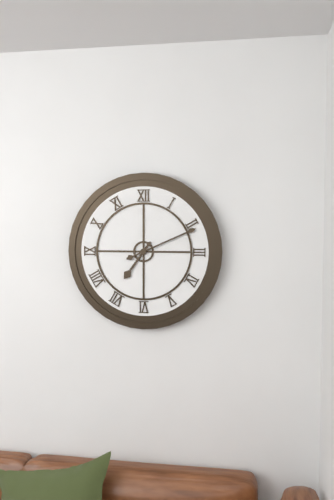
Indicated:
7.11
